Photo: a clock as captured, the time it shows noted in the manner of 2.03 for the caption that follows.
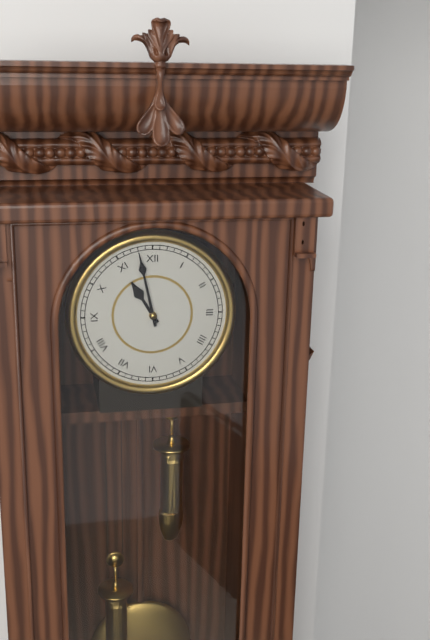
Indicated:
10.58
